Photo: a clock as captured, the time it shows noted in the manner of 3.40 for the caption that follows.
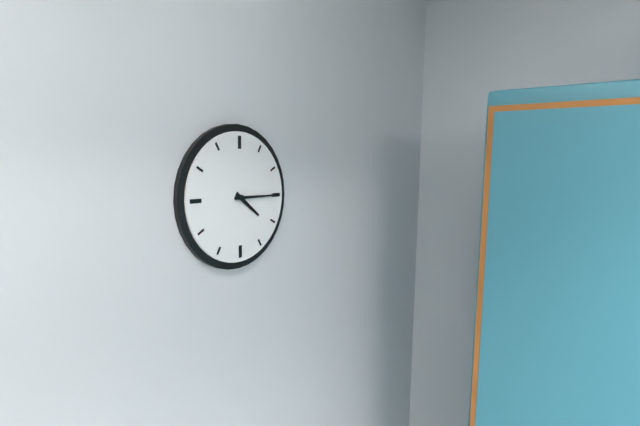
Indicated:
4.15
